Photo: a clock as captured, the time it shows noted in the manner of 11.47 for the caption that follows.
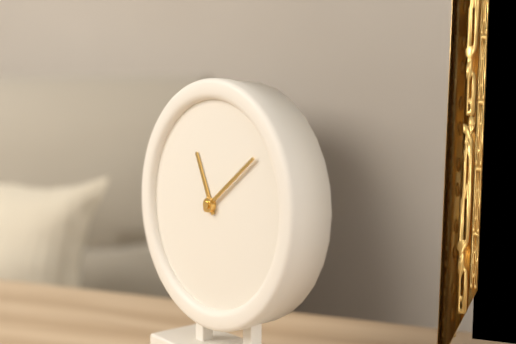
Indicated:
11.09
